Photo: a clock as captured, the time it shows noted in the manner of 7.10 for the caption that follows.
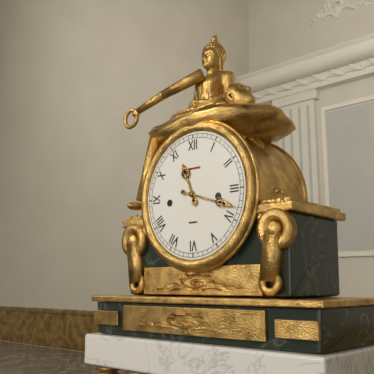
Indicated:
11.18
